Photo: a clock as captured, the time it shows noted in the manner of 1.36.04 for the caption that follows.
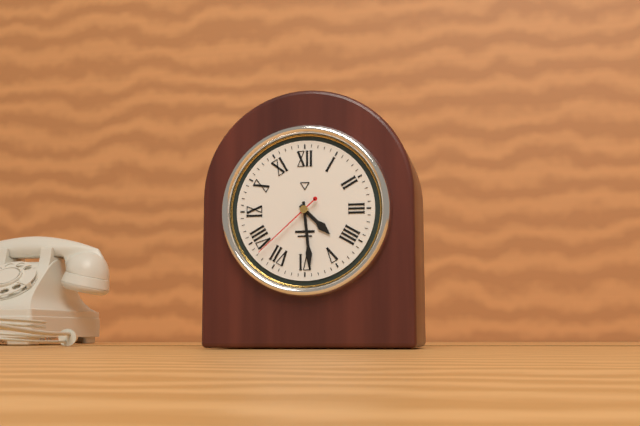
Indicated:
4.29.38
